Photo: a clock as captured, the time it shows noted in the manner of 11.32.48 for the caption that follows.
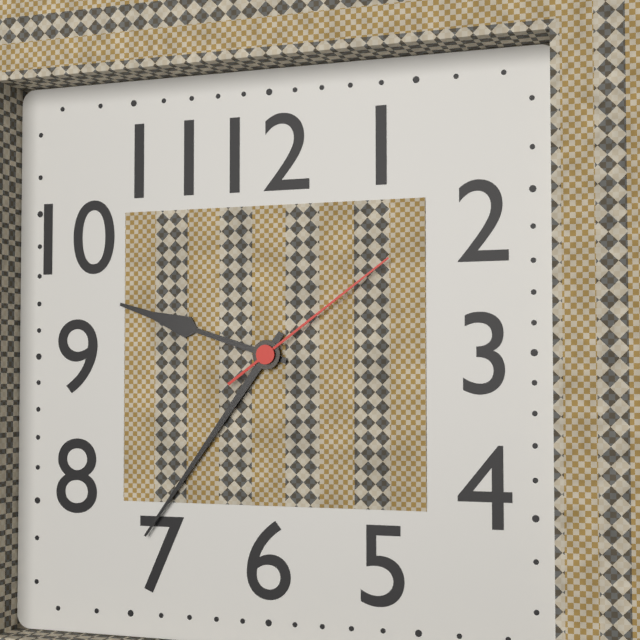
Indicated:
9.36.09
